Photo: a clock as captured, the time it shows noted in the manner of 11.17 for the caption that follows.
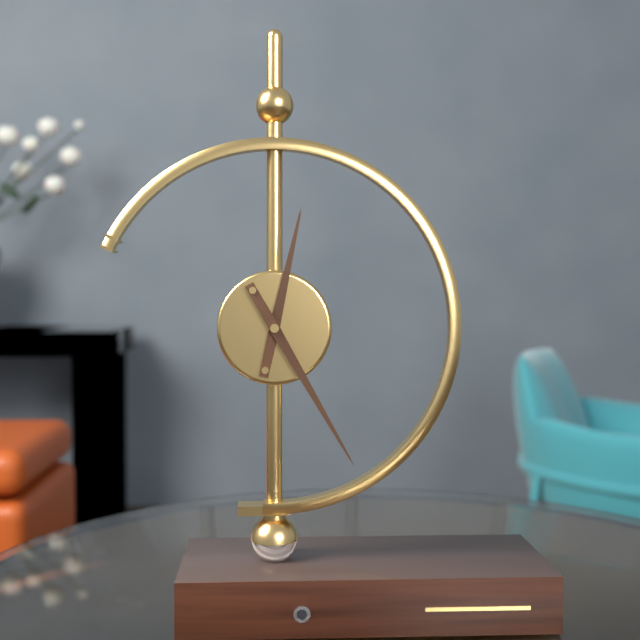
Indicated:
12.25
